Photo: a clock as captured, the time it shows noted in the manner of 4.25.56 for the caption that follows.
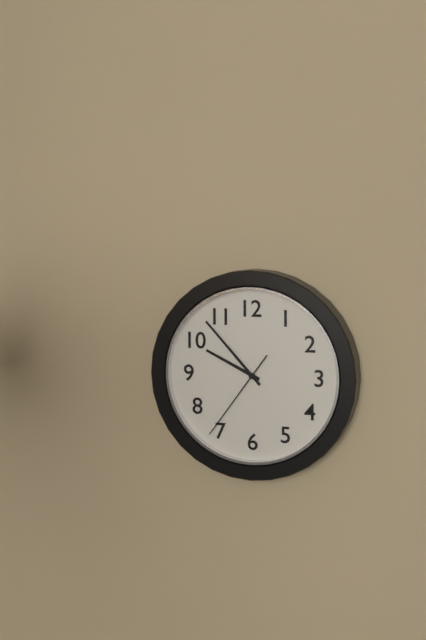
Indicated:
9.53.36
